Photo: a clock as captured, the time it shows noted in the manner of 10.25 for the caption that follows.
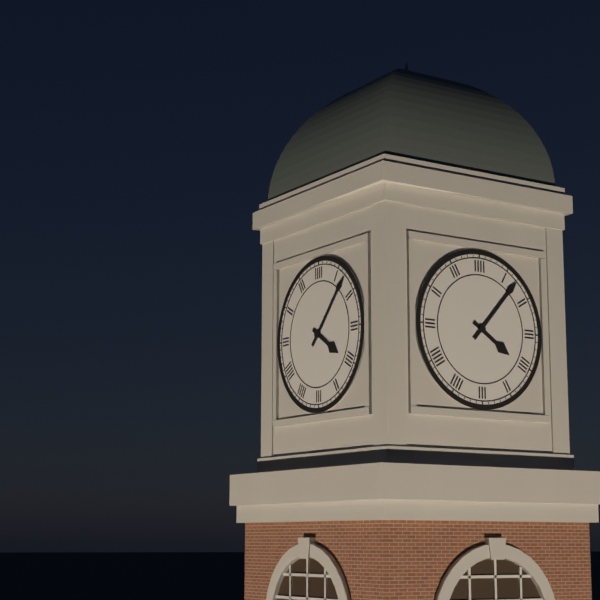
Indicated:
4.07
